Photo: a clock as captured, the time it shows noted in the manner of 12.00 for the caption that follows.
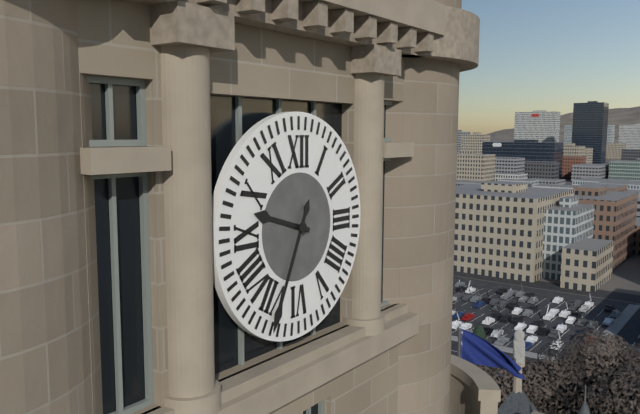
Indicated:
9.34
